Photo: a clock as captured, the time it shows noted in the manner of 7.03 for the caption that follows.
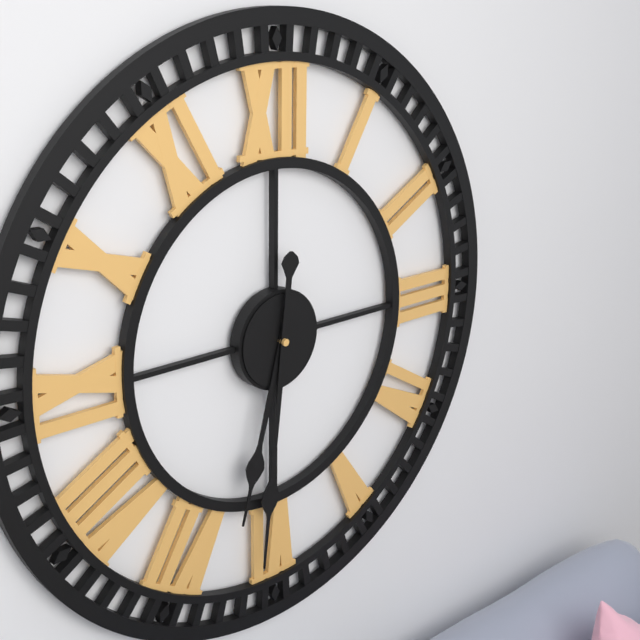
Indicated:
6.31
